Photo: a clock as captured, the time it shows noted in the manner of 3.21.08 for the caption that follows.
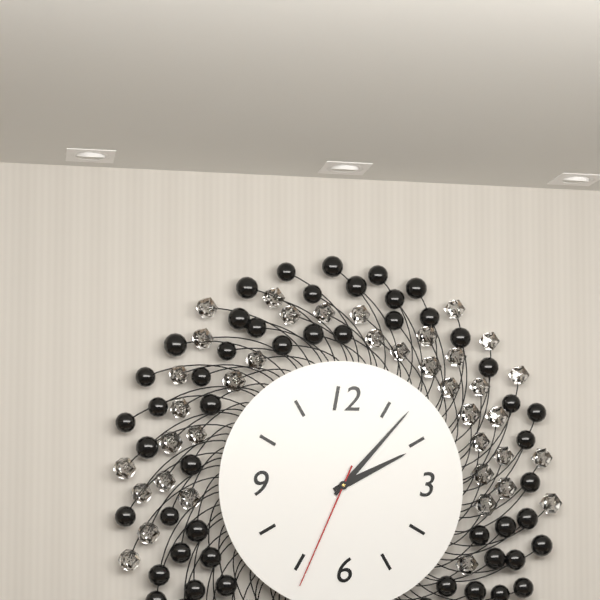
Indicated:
2.07.34
